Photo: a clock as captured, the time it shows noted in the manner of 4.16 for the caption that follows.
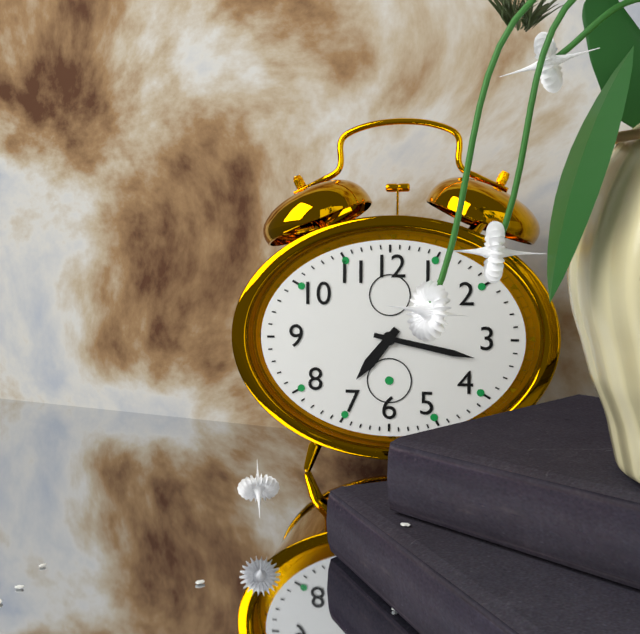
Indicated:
7.17
